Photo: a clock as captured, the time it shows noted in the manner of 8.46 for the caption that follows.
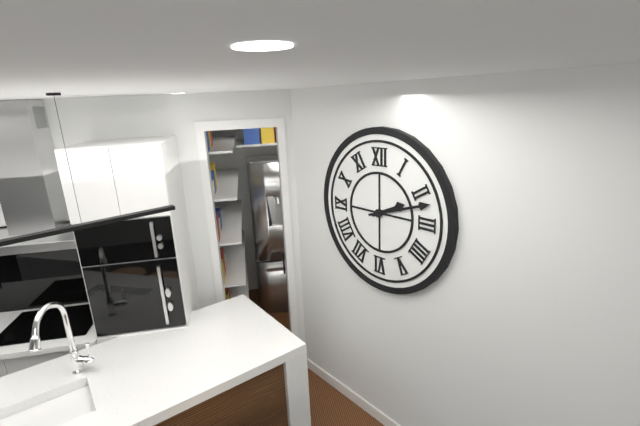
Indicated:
2.12
